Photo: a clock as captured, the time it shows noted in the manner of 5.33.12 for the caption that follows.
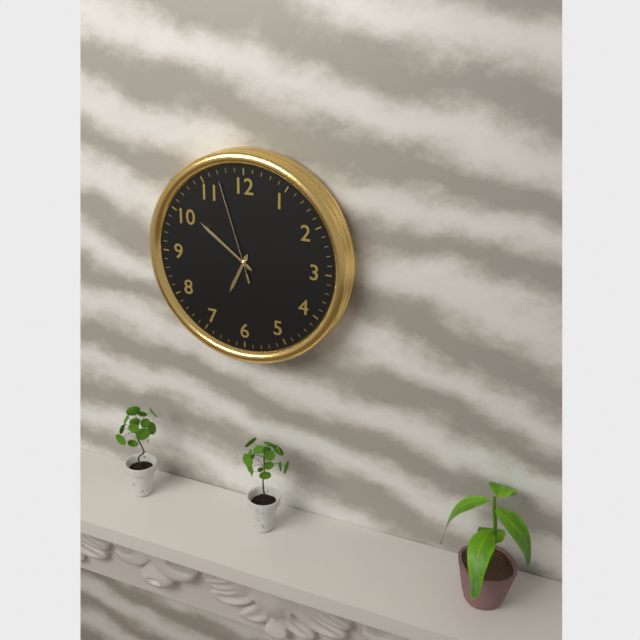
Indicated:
6.51.57
